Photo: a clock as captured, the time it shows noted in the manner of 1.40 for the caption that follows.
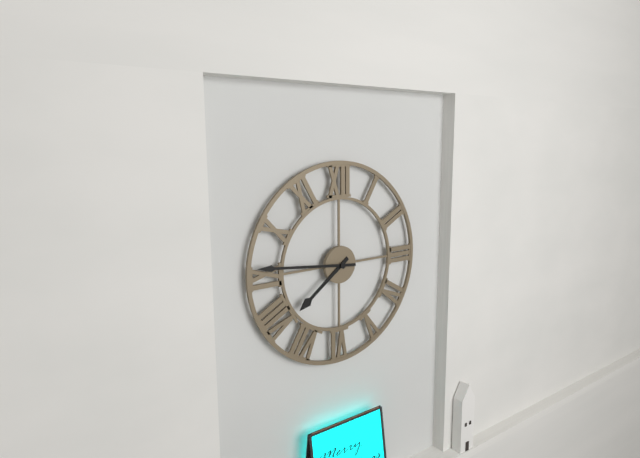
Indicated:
7.46
